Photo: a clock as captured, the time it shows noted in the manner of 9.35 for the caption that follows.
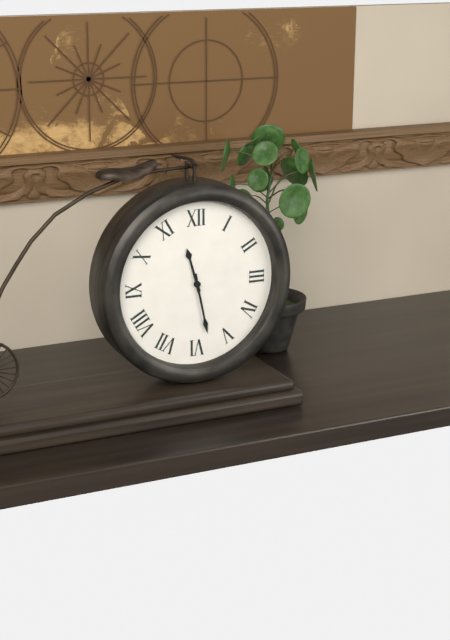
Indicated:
11.28
